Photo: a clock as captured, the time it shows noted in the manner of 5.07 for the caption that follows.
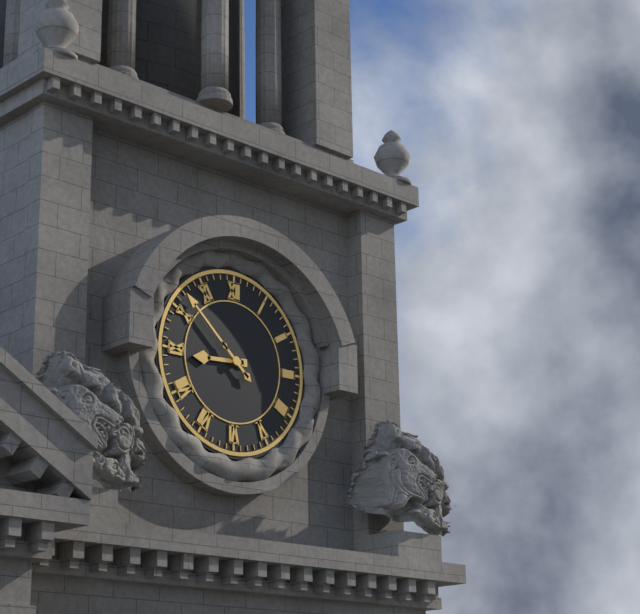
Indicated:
8.52
